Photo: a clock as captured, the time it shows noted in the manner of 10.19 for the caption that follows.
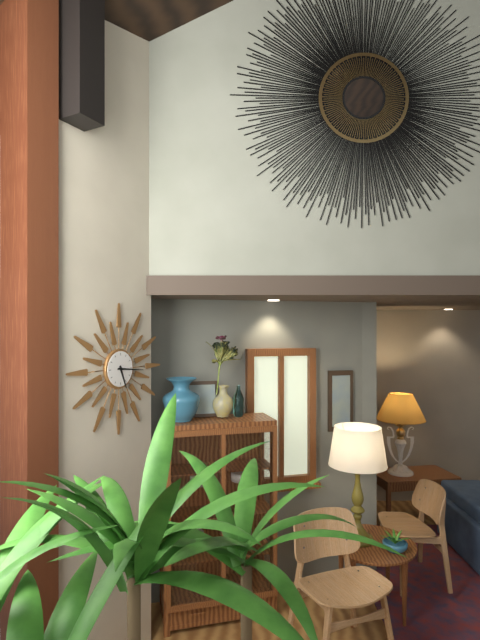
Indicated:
5.16
